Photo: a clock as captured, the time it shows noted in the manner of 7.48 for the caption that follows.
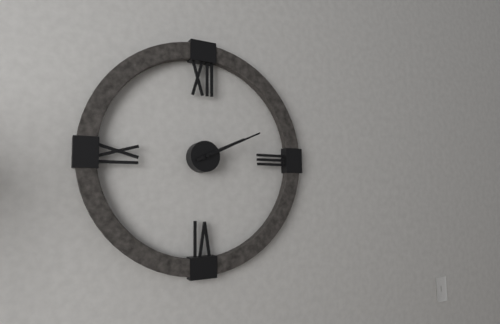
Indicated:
2.11
